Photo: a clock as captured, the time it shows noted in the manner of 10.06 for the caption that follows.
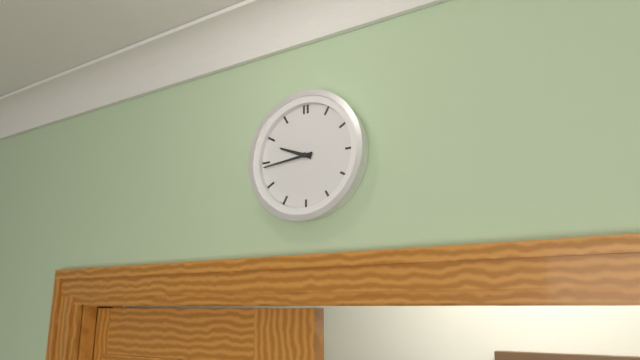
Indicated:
9.44
